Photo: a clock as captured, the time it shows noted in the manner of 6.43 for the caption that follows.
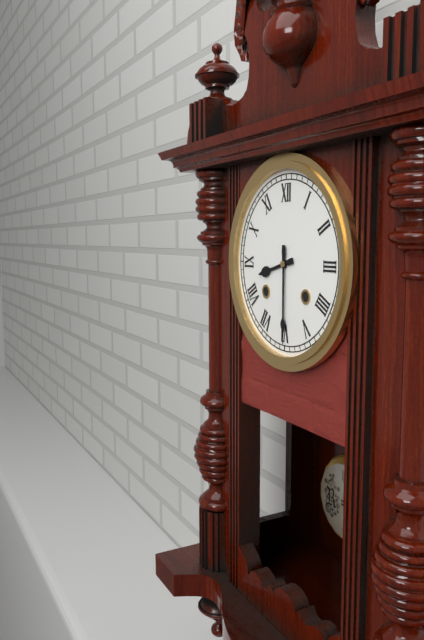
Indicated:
8.30
